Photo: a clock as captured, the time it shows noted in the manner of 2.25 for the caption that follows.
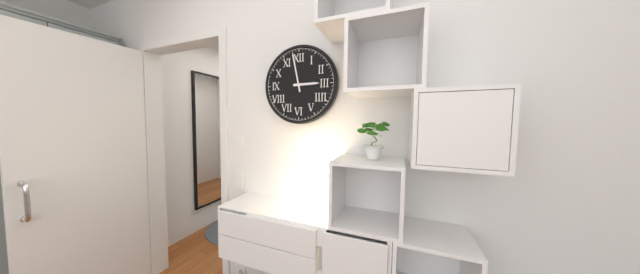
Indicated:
2.58
